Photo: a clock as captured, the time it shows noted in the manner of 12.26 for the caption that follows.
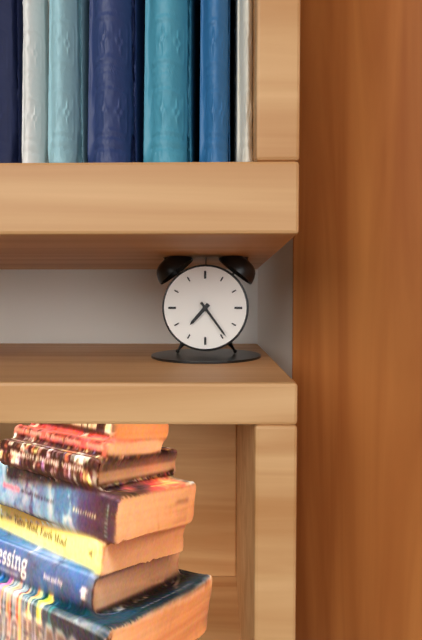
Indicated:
7.24
